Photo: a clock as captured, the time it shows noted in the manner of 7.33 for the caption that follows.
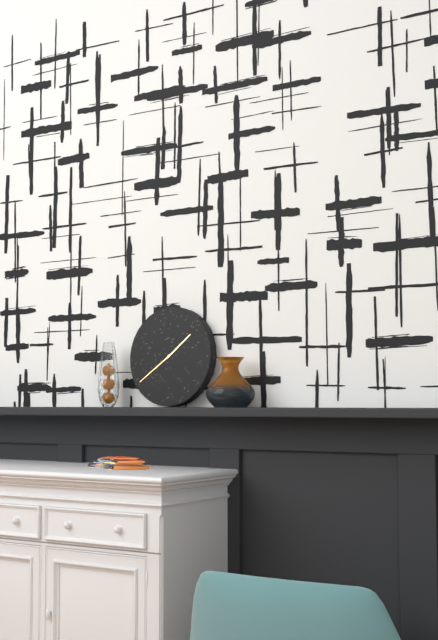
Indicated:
1.39
